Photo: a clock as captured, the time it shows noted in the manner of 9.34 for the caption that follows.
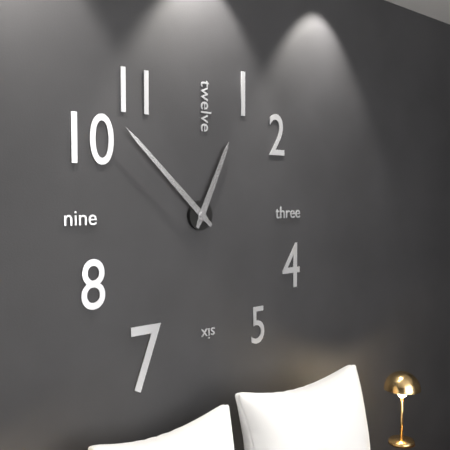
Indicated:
12.52
